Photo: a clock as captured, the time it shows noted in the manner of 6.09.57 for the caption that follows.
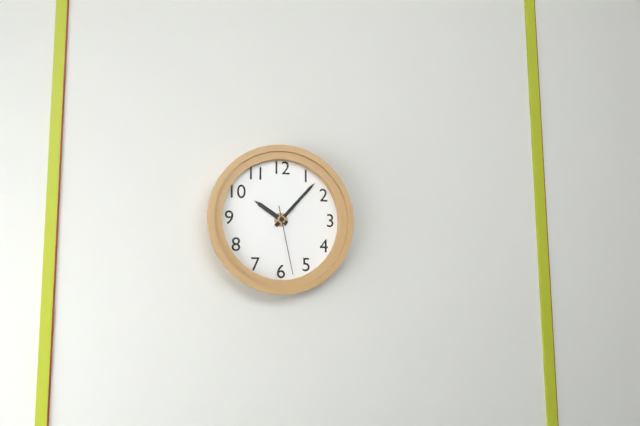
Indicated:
10.07.28
